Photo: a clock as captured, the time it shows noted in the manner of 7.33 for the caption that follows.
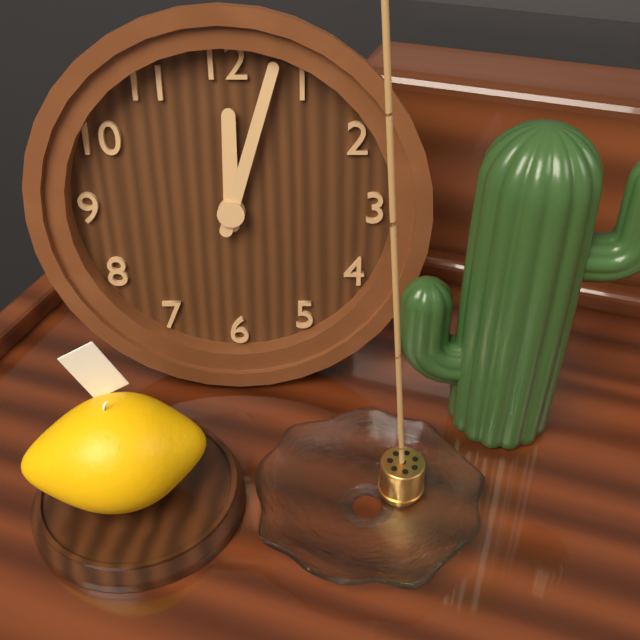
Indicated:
12.03
